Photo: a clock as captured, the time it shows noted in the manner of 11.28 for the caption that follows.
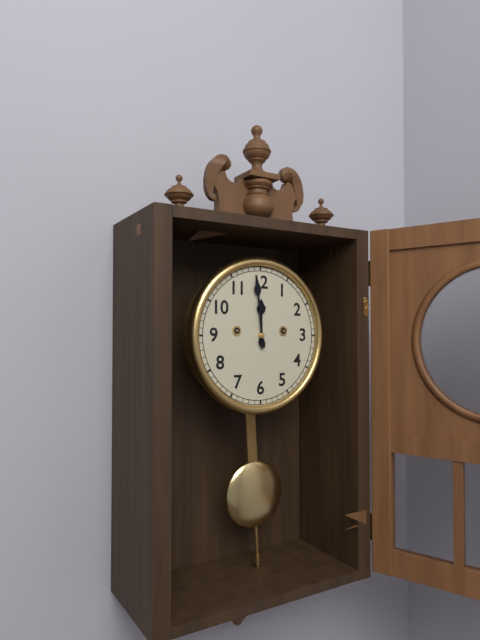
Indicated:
11.59
